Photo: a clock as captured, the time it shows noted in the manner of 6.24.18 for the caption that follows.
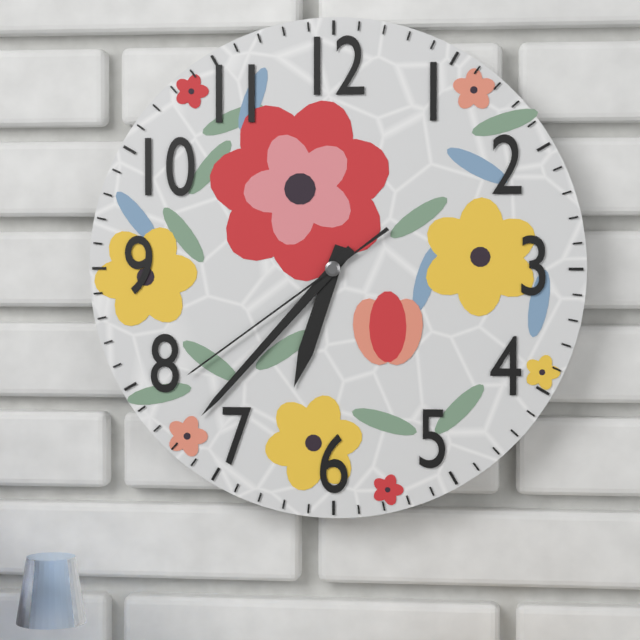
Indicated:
6.37.39
